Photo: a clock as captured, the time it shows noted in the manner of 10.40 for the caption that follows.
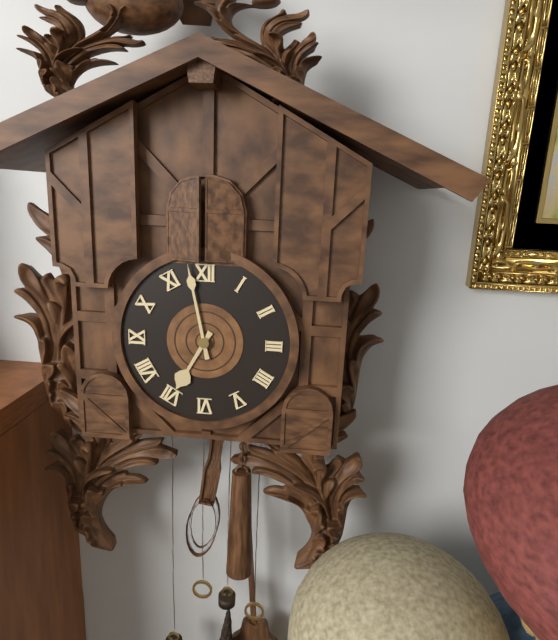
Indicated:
6.58
